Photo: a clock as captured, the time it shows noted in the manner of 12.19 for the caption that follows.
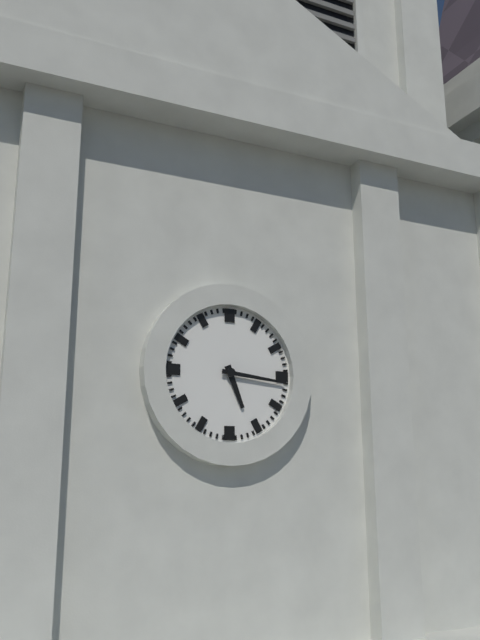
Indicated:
5.16
